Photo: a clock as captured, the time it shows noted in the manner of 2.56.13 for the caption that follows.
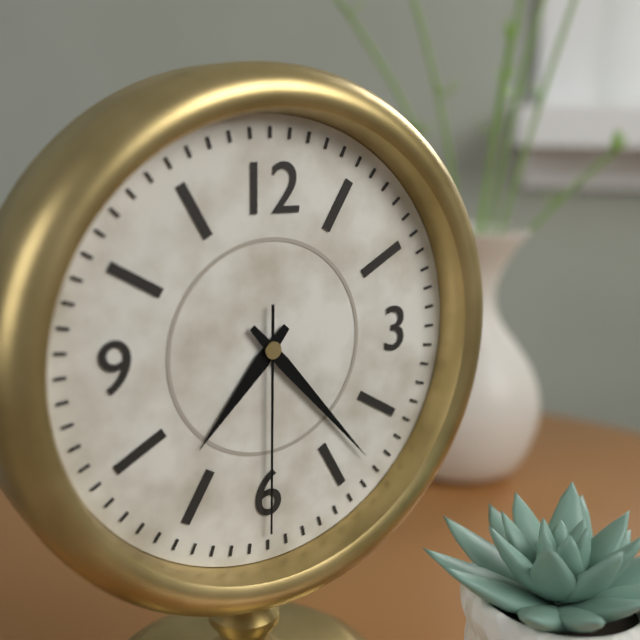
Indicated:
7.23.30
